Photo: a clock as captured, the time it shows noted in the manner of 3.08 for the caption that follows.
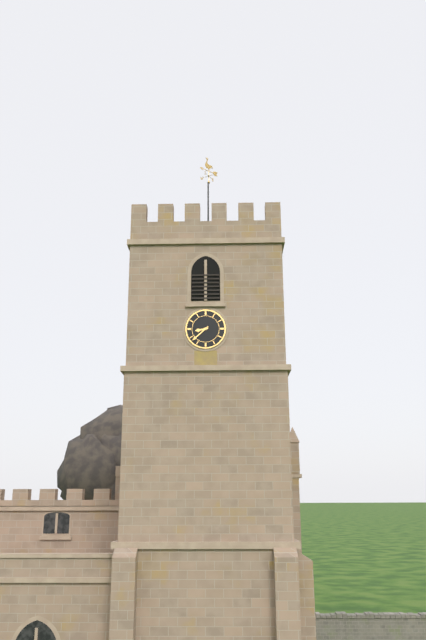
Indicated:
8.38
